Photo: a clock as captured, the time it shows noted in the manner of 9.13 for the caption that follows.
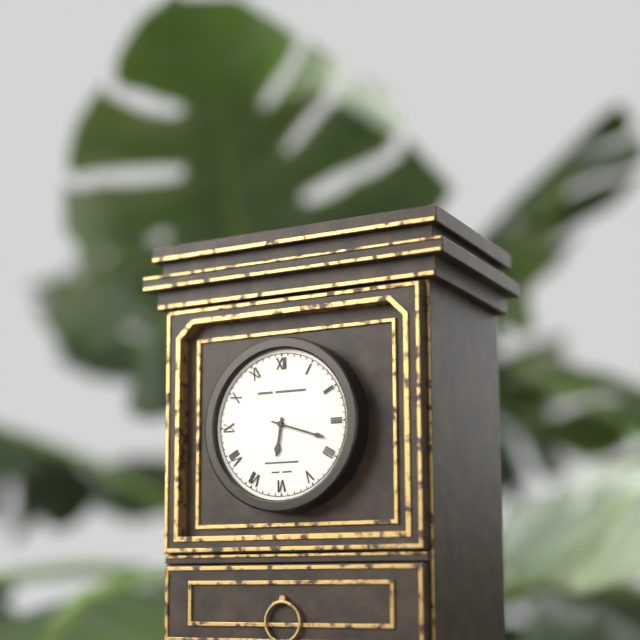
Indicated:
6.18
